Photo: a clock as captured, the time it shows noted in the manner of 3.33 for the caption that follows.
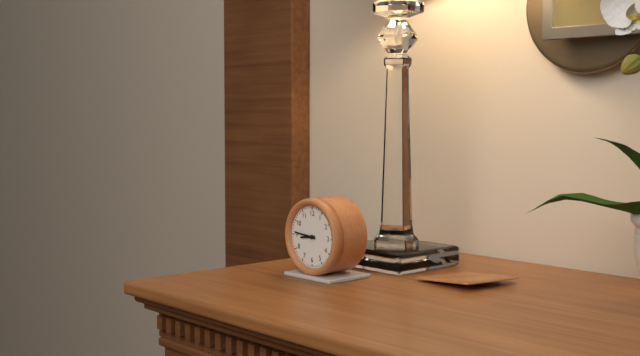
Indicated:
8.46
